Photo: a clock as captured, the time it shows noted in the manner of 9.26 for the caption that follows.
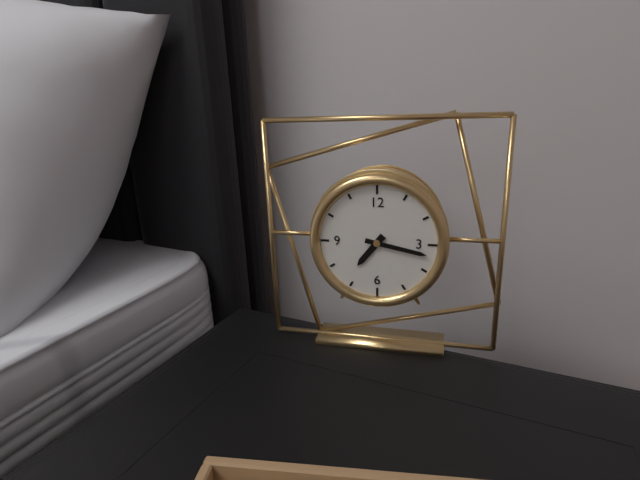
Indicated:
7.17
